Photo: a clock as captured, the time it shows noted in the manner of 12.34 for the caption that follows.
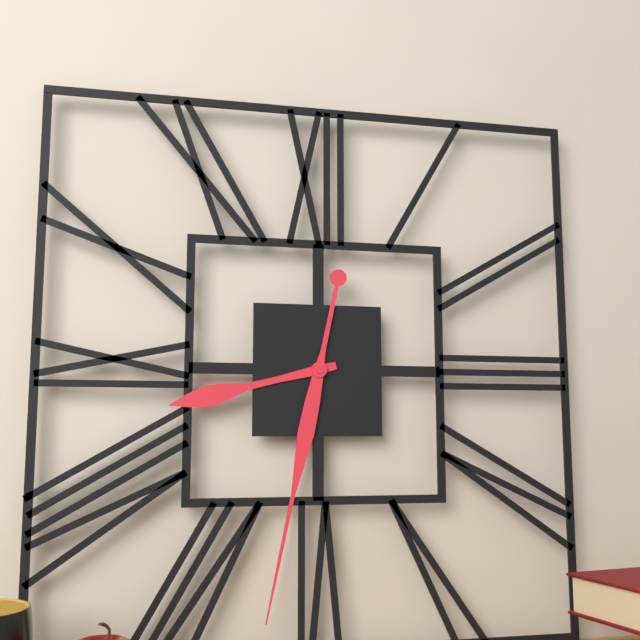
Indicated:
8.32
